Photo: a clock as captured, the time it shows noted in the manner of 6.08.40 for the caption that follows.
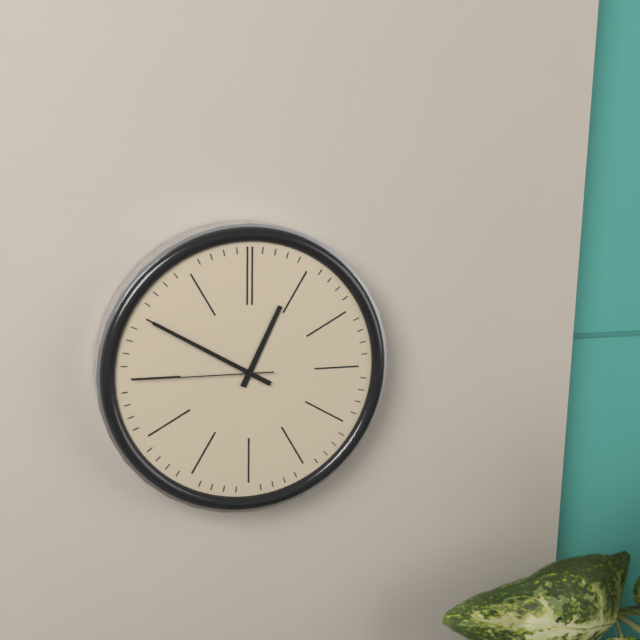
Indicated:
12.50.45
